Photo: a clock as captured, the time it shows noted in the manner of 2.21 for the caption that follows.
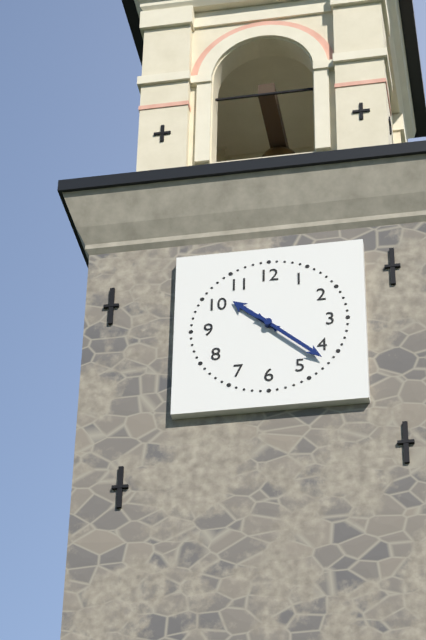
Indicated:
10.22
